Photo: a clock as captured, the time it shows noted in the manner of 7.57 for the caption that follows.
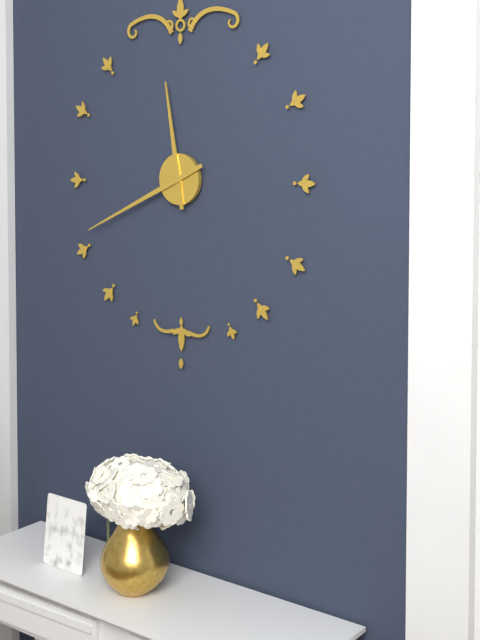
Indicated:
11.41
